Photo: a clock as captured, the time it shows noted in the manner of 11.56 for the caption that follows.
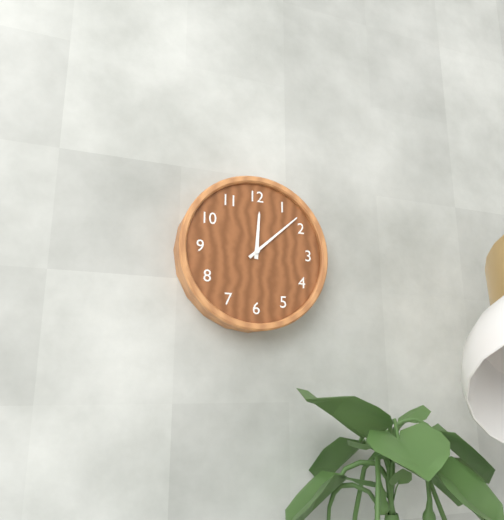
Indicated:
12.08
